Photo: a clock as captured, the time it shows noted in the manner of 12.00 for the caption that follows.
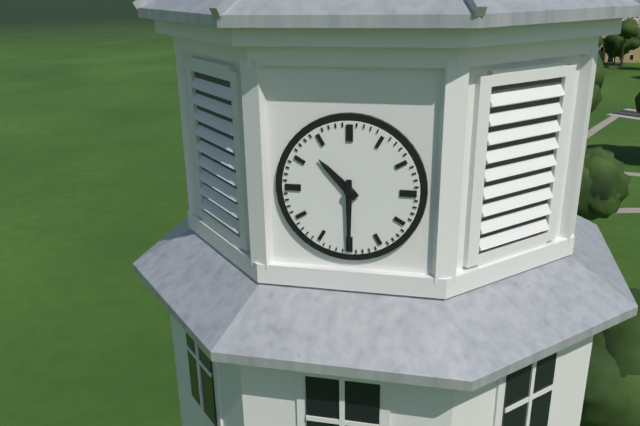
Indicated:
10.30
